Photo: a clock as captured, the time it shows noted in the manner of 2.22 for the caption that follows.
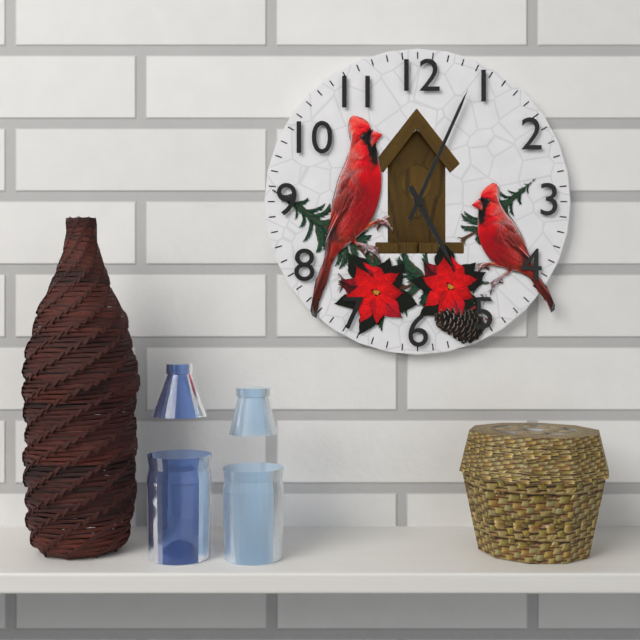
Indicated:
5.04
